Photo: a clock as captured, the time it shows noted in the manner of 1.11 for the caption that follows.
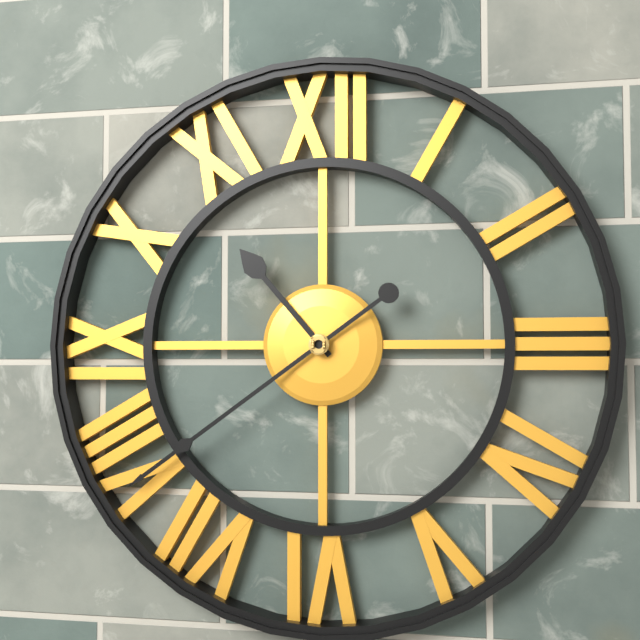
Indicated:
10.39
